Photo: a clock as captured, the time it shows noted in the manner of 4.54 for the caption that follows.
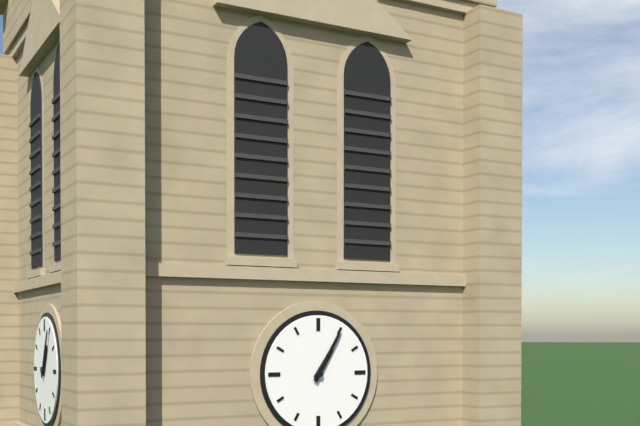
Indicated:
1.05
